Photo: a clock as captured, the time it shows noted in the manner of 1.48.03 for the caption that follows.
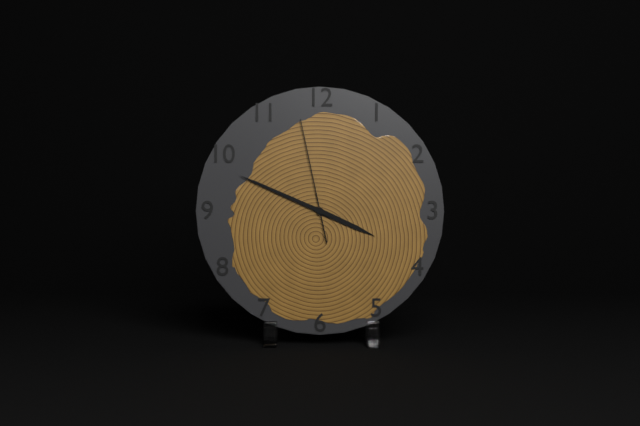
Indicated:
3.49.58
